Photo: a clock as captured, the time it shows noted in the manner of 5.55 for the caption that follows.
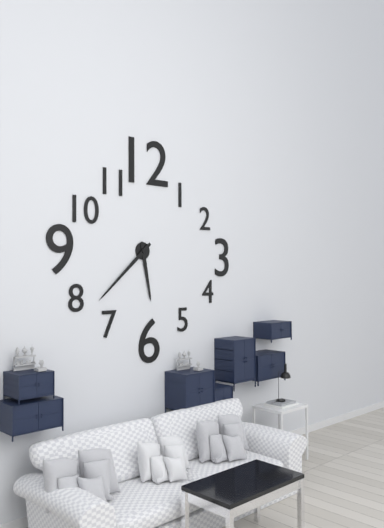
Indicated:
5.38
